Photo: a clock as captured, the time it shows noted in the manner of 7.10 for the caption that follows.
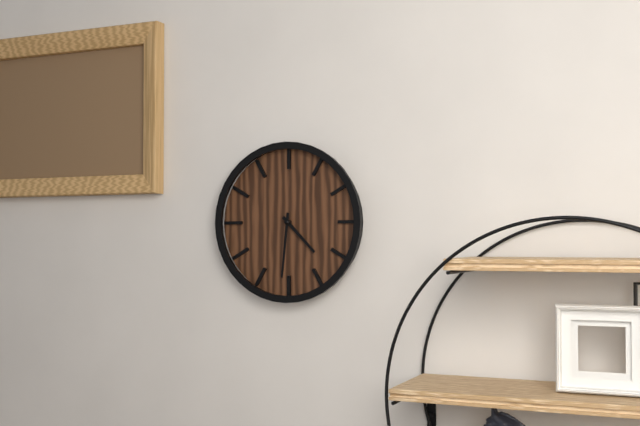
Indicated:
4.31
